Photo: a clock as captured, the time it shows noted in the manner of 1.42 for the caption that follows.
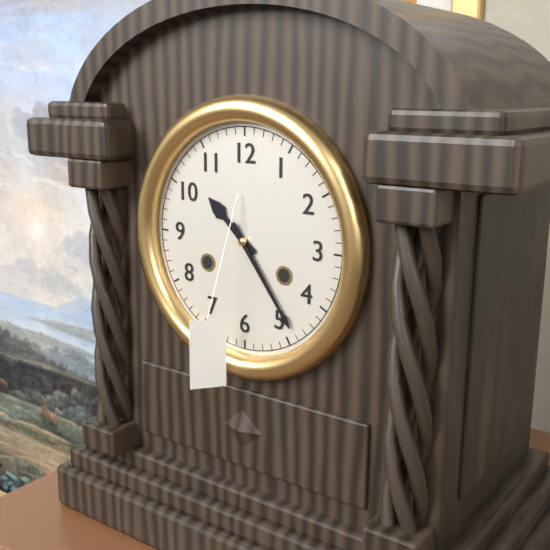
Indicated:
10.24
